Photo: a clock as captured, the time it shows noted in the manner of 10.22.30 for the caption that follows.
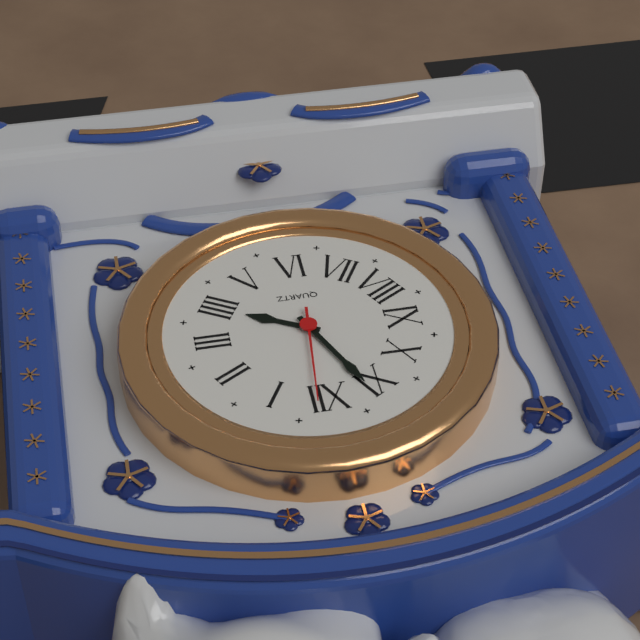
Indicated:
3.56.01
